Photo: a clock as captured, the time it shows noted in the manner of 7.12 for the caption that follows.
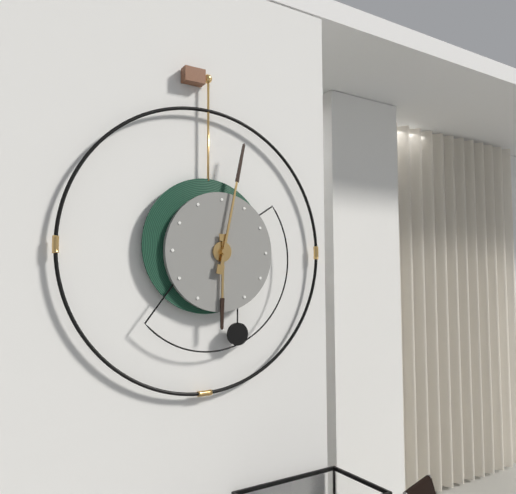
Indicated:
6.02
